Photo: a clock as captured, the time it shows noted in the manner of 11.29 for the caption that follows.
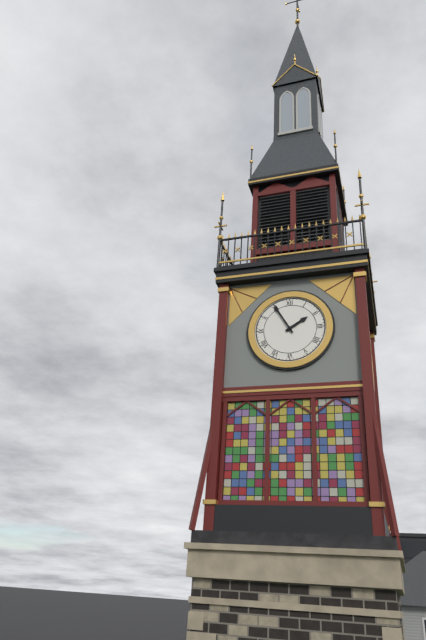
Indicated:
1.55
